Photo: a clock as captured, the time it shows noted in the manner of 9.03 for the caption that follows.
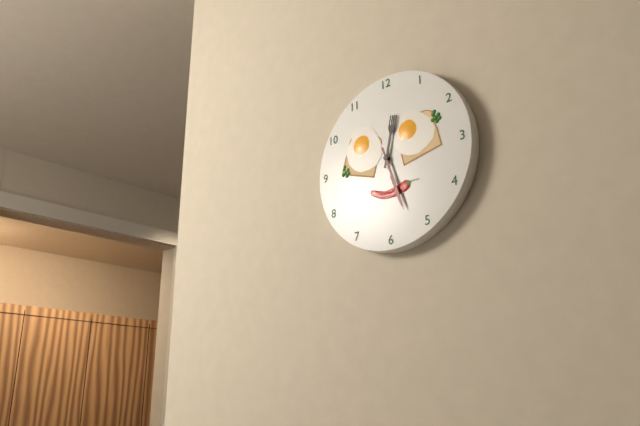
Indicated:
12.27
